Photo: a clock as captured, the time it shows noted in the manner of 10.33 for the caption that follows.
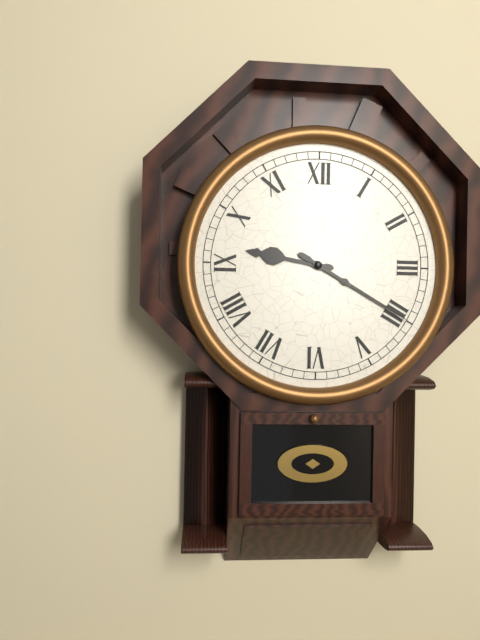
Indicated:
9.20
